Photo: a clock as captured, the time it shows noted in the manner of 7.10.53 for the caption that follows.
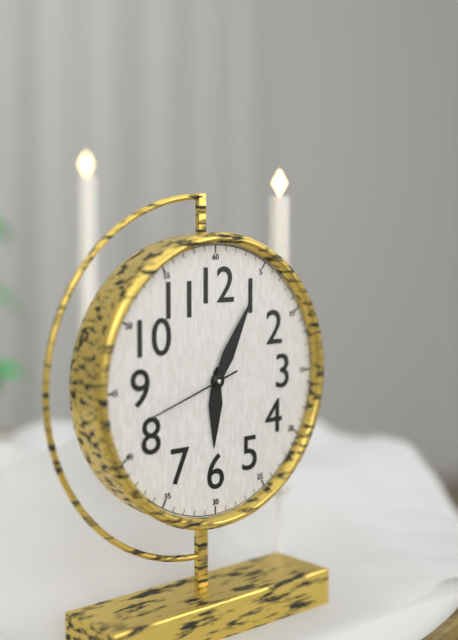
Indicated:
6.05.42
